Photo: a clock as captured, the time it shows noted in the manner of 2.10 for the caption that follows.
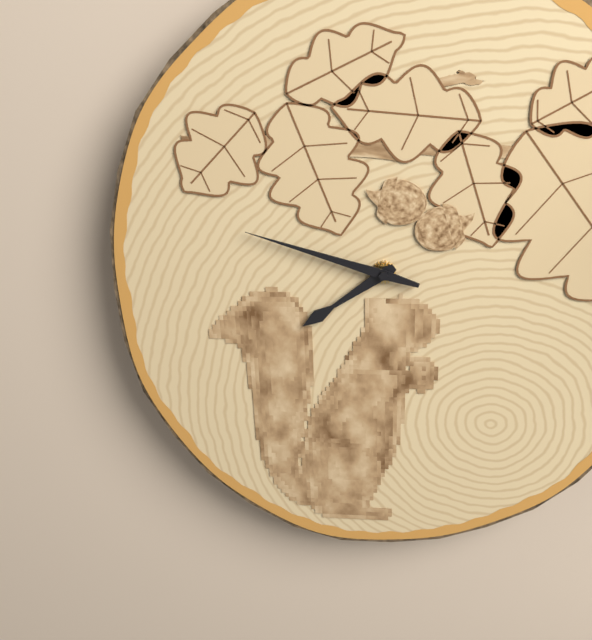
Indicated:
7.48
